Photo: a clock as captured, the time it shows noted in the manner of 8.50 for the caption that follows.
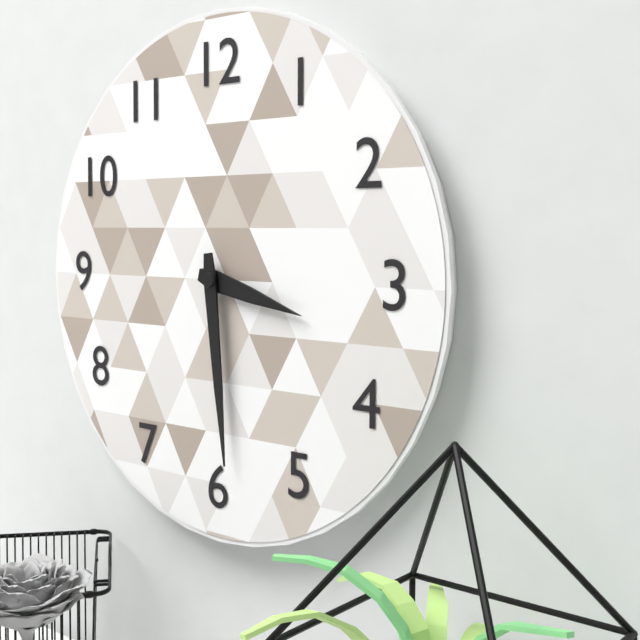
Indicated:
3.29
